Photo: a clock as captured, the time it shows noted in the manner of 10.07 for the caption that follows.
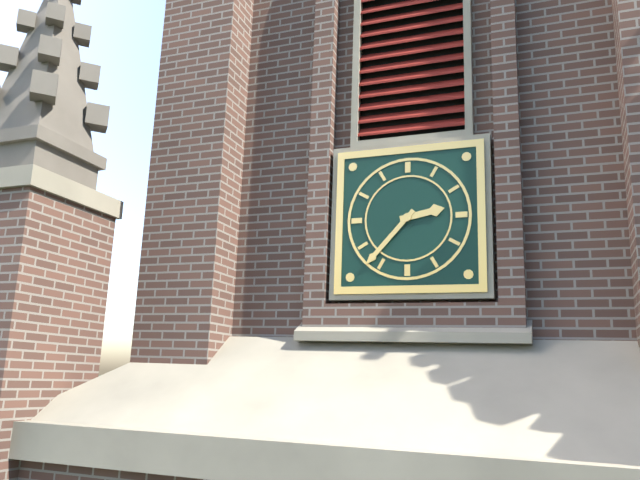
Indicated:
2.37
